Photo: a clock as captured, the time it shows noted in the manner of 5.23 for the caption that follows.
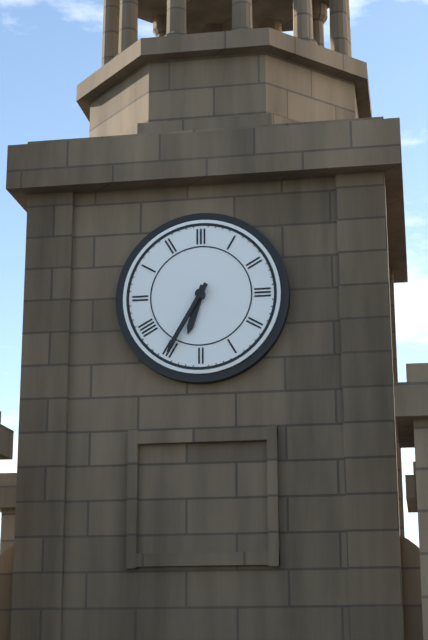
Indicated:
6.35
